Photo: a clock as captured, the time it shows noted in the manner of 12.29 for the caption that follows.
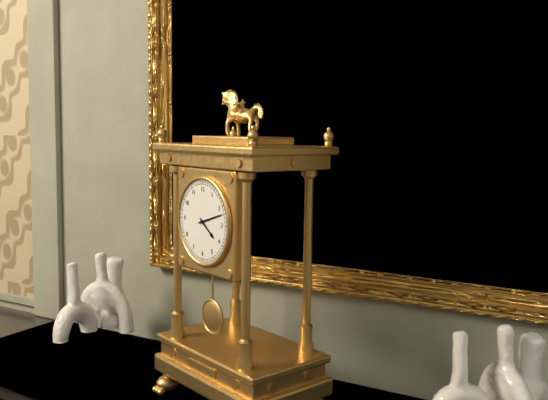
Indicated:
4.12
